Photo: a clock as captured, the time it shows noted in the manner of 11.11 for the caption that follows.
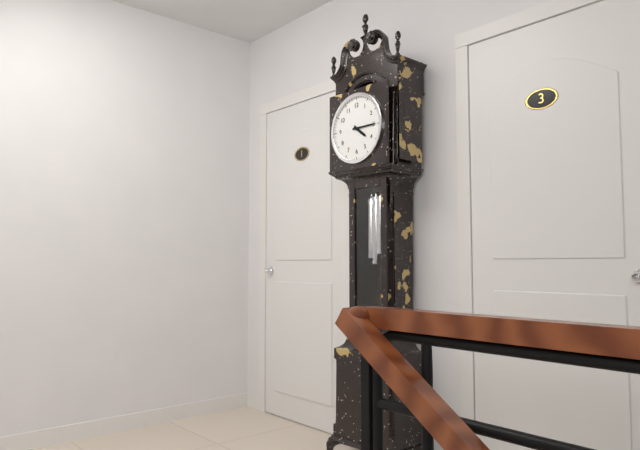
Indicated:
4.15
